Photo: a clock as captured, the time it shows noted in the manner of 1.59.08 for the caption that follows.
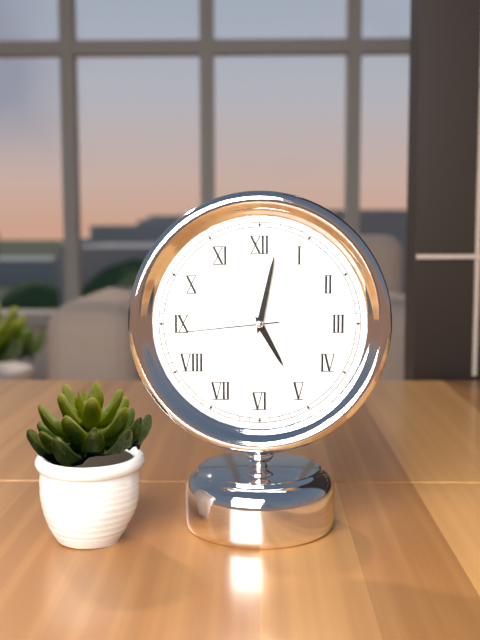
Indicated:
5.02.44
